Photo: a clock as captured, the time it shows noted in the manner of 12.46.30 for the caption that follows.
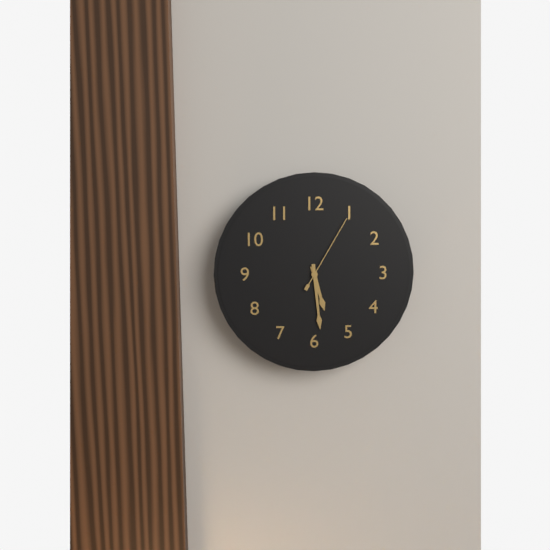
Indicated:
5.29.05
